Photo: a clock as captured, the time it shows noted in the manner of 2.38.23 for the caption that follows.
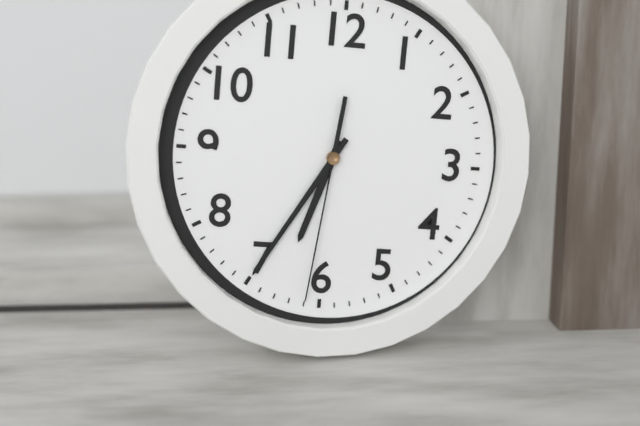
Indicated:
6.35.31
